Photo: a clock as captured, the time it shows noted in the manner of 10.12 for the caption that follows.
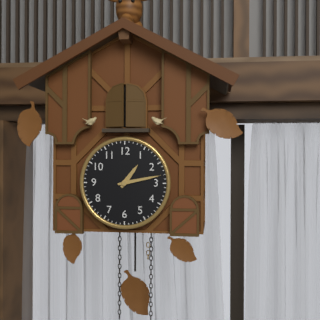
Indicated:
1.13
